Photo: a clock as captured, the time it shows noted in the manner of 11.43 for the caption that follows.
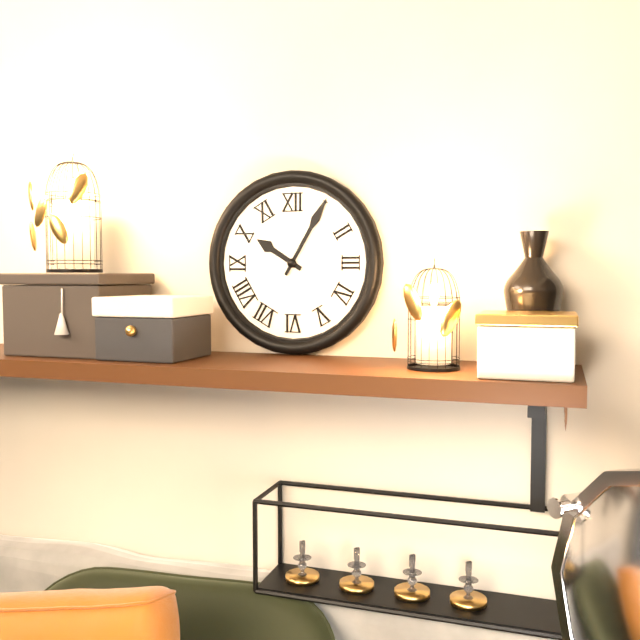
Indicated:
10.05
